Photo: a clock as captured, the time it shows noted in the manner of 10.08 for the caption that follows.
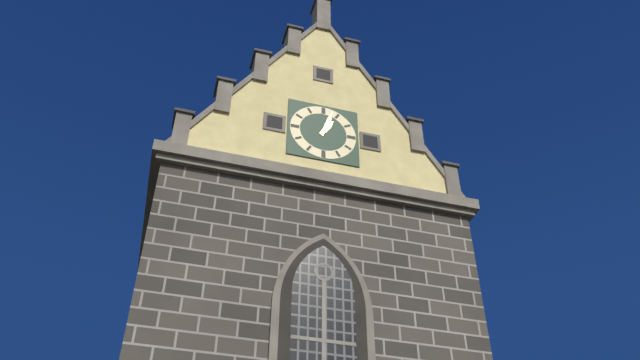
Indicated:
1.03
